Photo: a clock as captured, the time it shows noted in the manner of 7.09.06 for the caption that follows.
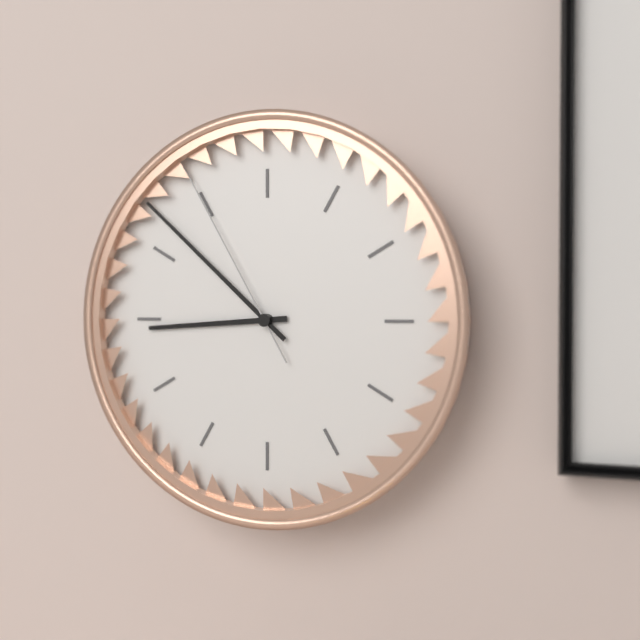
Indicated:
8.52.55
